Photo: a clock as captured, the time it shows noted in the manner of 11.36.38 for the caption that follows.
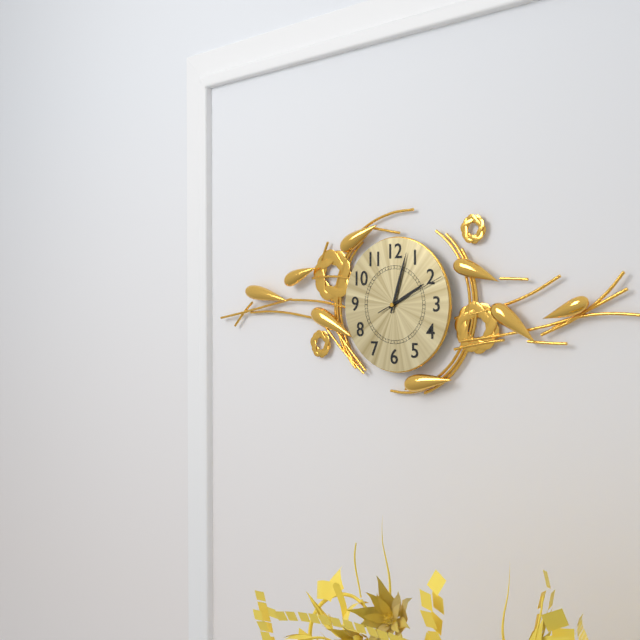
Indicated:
2.03.11
